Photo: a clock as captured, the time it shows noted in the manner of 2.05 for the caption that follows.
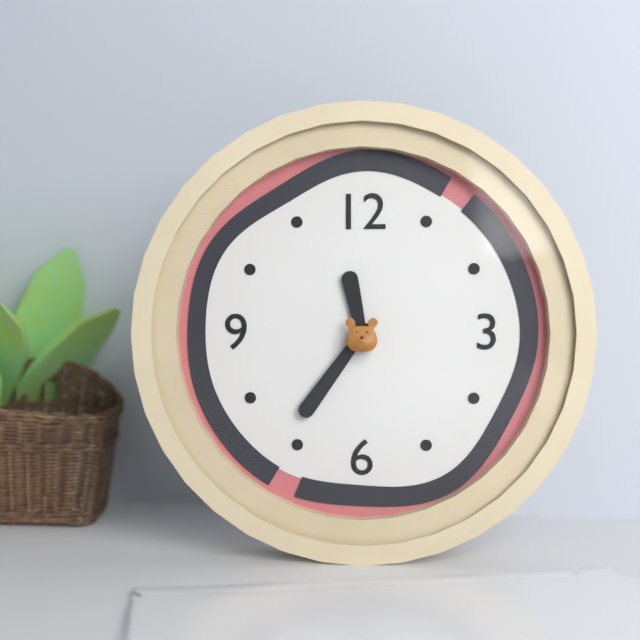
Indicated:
11.36
